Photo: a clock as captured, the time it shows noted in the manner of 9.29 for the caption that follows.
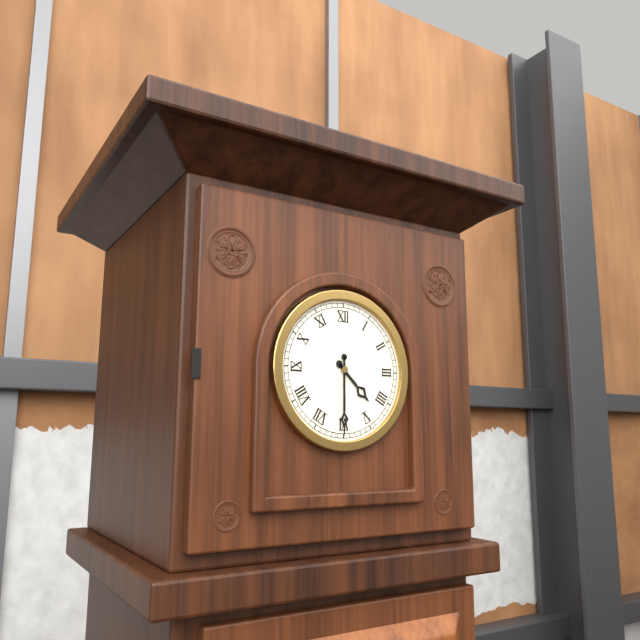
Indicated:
4.30
